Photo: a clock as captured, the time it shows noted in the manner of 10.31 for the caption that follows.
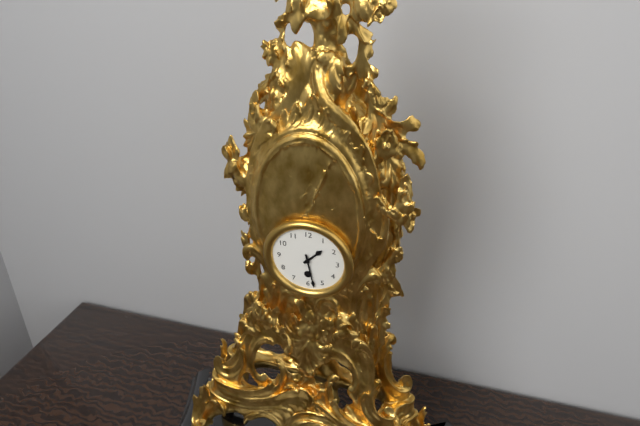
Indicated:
1.28
